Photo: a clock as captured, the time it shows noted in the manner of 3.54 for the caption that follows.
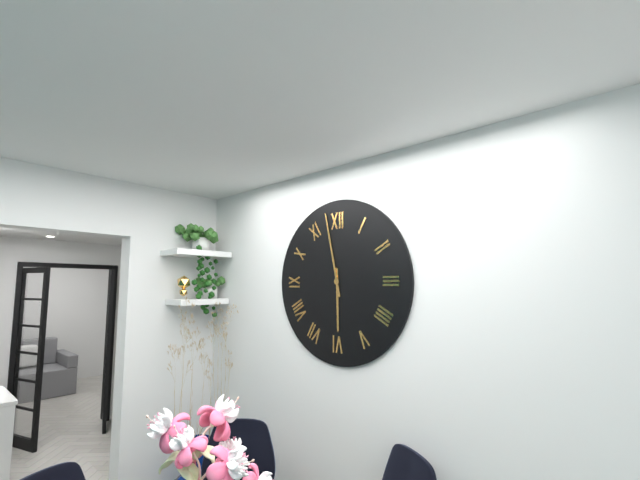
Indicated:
5.58
